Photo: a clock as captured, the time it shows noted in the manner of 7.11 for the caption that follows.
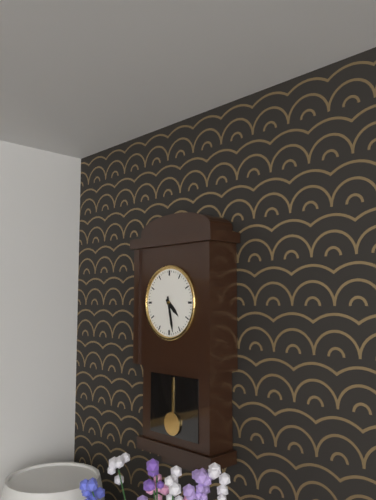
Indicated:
4.28
